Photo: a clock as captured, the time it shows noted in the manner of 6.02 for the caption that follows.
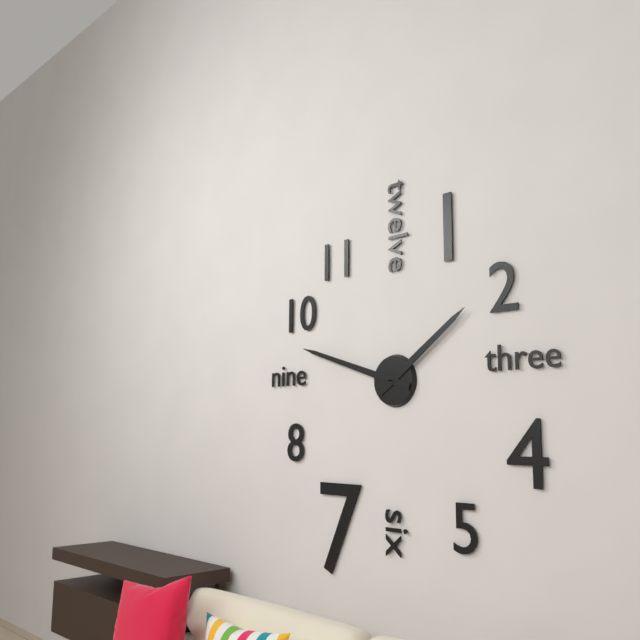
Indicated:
1.48
